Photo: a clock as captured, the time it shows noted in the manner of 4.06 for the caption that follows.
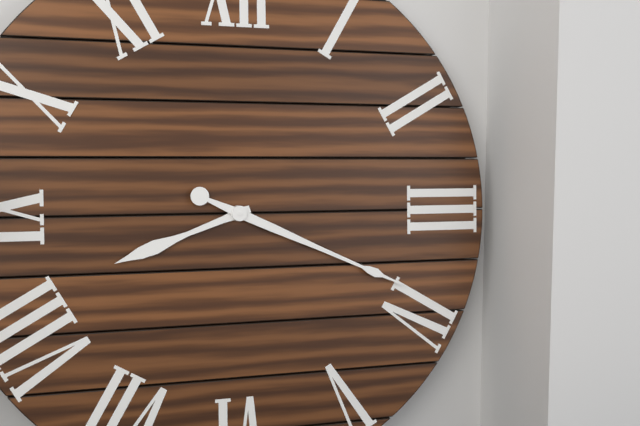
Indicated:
8.19
